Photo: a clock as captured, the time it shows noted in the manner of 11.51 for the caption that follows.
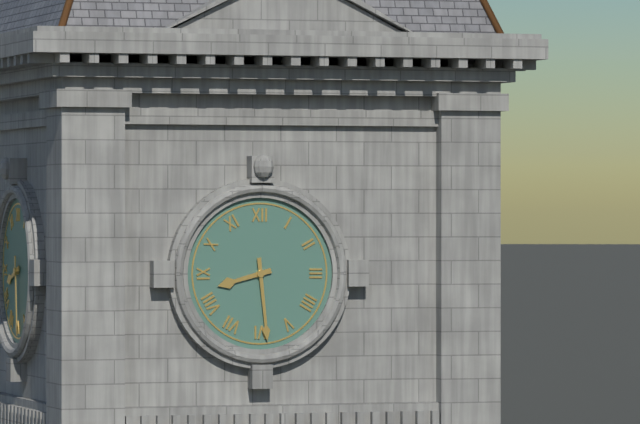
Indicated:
8.29
